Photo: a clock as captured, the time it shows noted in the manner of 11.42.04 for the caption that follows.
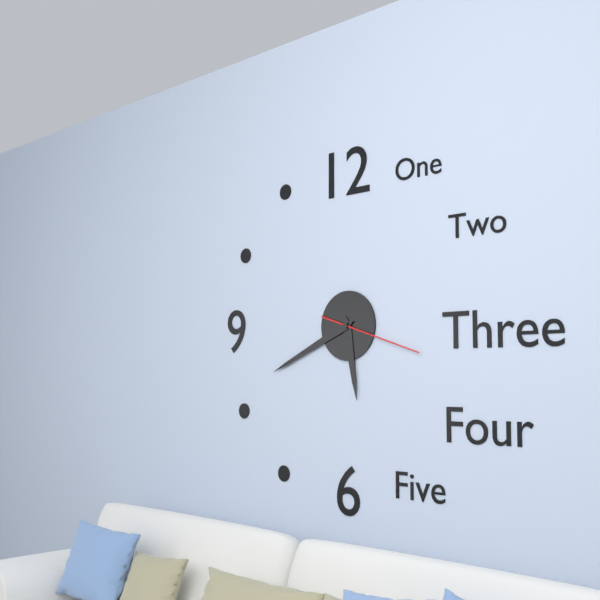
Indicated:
5.41.18
